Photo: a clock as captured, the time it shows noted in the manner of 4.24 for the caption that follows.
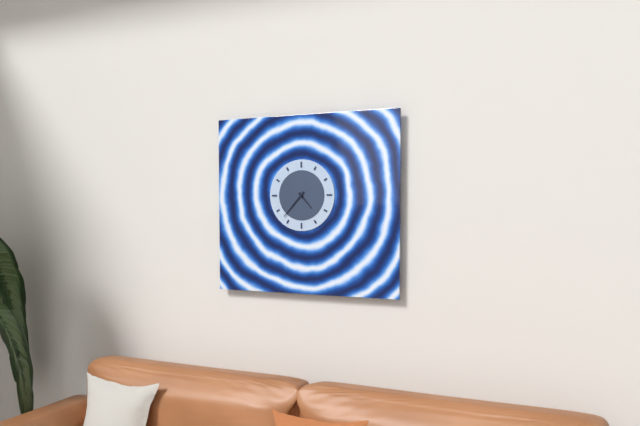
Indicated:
4.37
